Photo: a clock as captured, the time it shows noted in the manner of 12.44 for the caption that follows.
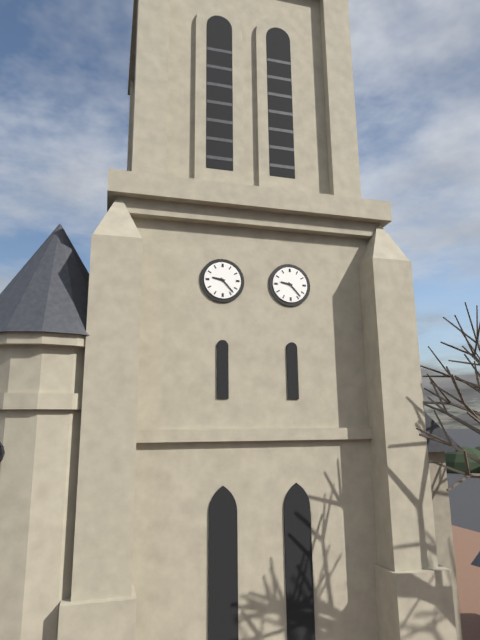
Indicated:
9.23
